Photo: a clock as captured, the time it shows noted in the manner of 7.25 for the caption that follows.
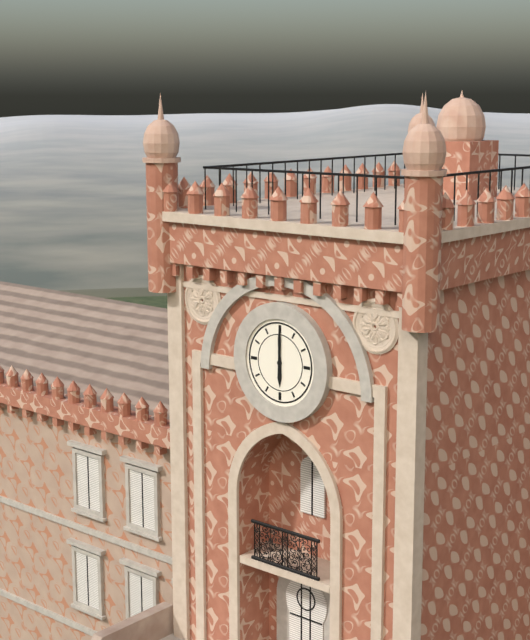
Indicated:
6.00
